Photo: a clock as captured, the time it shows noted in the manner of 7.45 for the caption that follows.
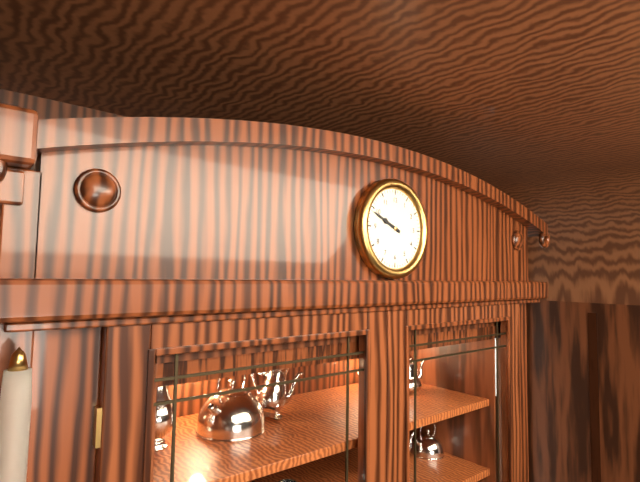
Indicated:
9.49
